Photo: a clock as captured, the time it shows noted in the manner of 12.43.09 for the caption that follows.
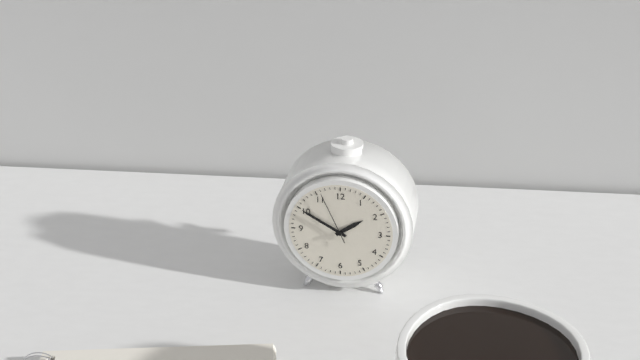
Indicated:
1.50.56
